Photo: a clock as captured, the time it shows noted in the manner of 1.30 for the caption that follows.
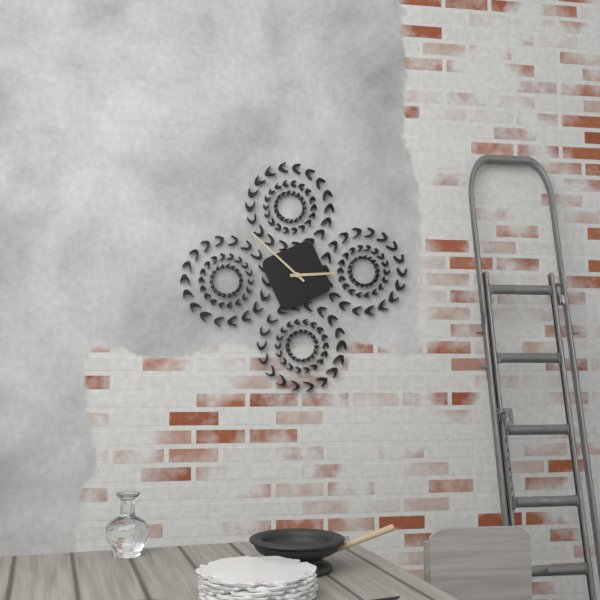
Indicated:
2.52
